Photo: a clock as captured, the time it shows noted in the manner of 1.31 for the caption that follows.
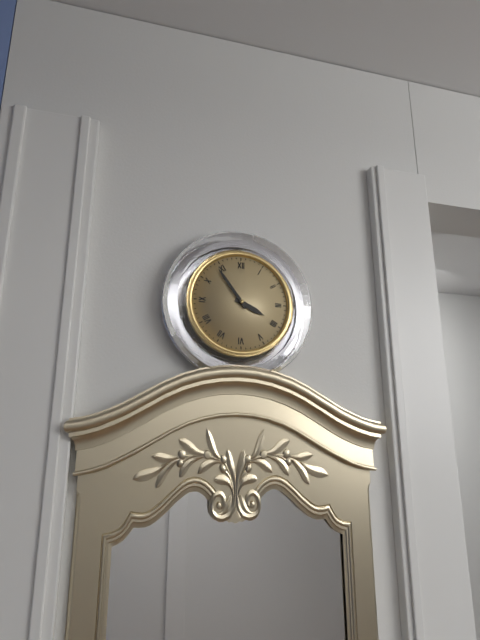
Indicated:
3.54
